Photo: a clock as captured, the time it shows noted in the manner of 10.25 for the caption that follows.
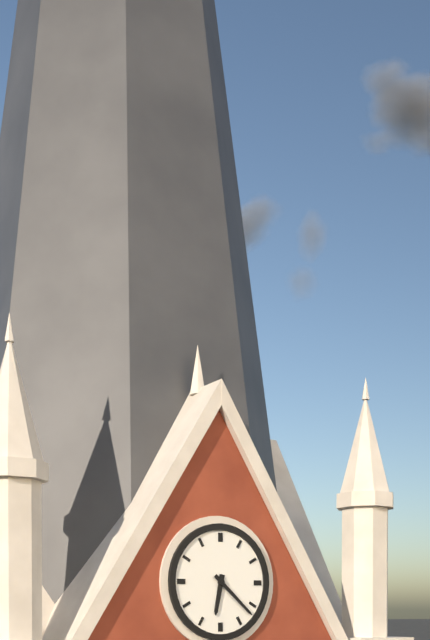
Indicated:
6.22
